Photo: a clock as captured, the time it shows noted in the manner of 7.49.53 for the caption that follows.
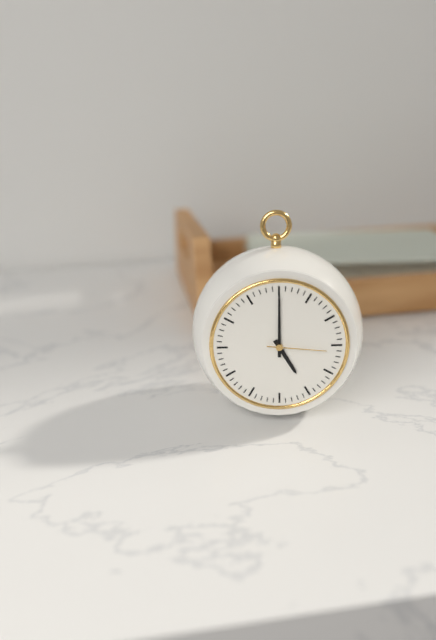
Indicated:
5.00.16
